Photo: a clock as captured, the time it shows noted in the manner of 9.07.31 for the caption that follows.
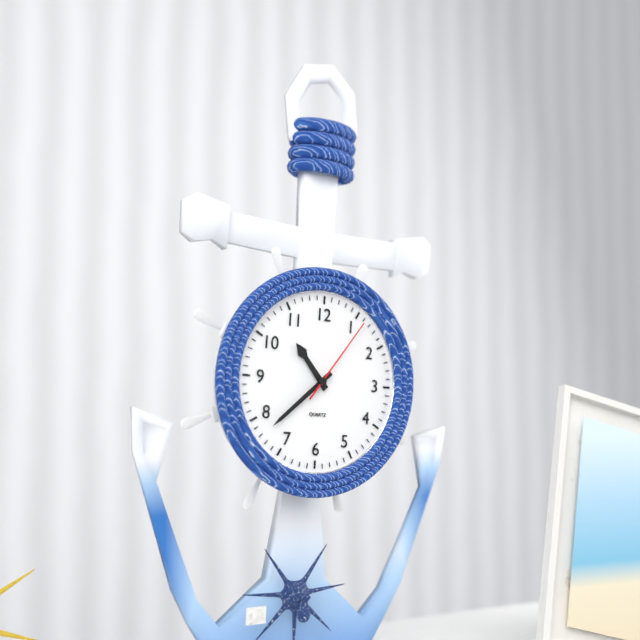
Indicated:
10.38.06
